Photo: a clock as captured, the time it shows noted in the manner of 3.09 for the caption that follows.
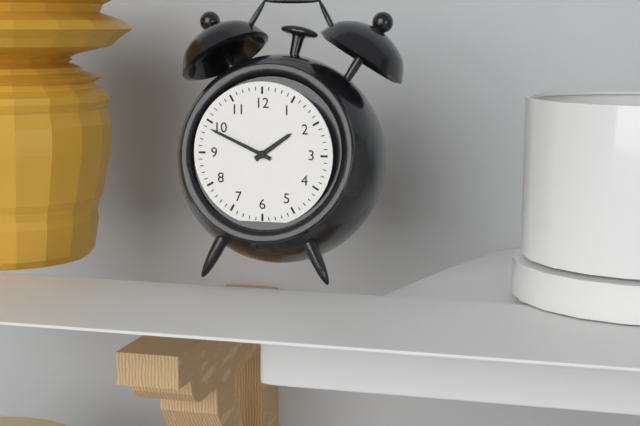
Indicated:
1.49
